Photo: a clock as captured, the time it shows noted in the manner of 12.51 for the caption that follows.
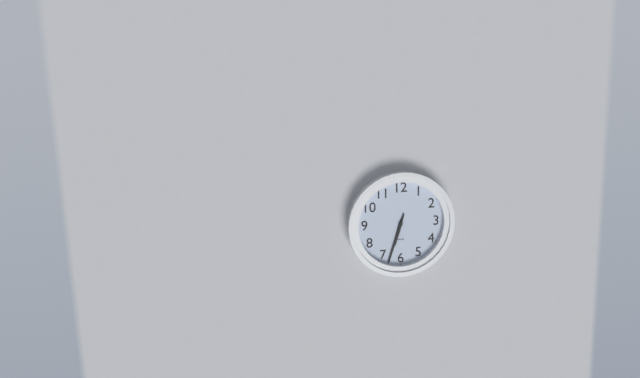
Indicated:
6.33
